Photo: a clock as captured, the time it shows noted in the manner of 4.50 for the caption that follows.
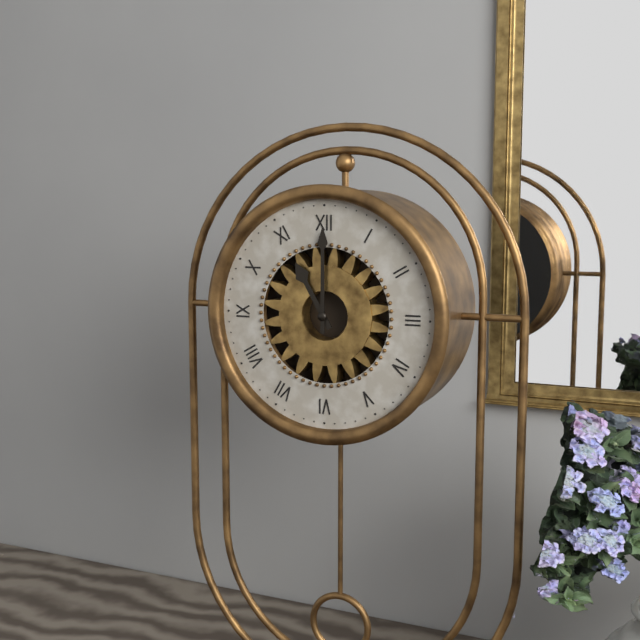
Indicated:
11.00
